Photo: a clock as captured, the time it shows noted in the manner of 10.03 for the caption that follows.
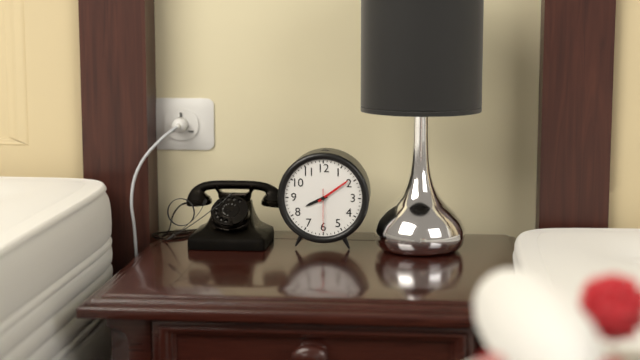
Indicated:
8.09
